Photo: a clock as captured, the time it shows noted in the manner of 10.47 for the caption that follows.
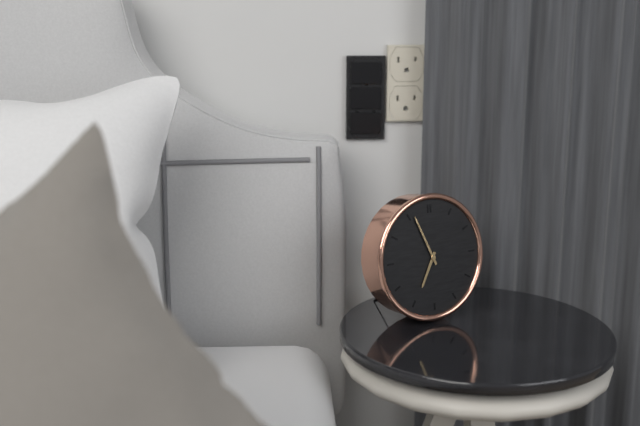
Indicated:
6.56
